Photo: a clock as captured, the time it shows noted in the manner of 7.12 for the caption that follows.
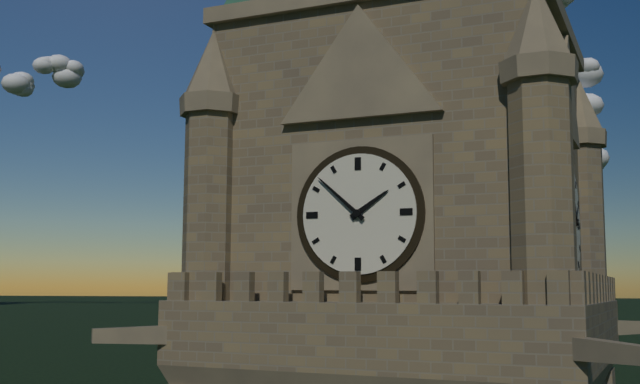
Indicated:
1.52
